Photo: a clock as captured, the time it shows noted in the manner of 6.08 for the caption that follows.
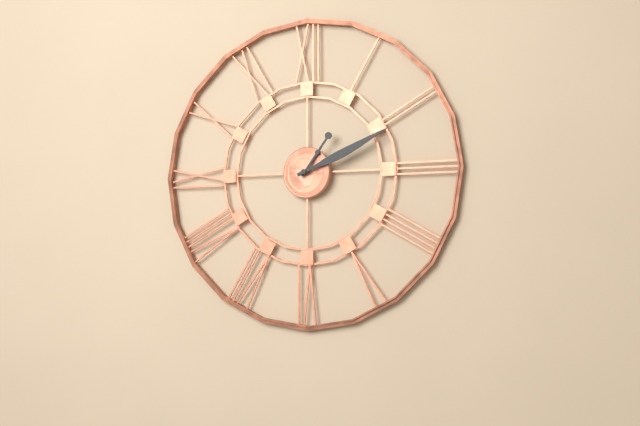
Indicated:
1.11
